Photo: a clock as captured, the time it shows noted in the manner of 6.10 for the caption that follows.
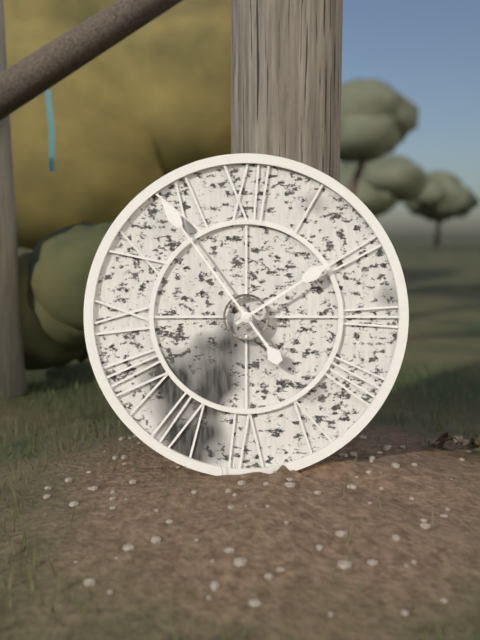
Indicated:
1.54
